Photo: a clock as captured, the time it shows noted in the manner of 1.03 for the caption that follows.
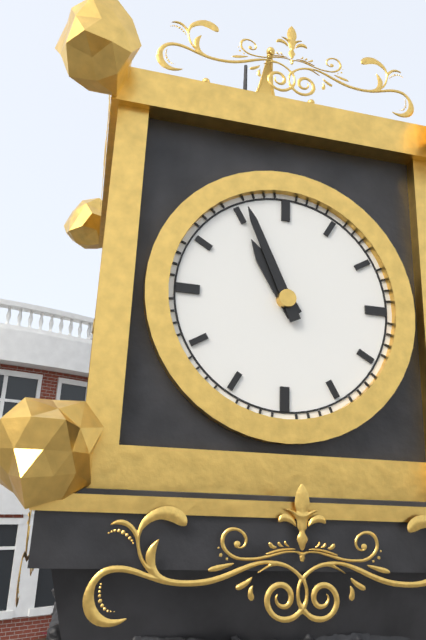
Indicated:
10.56
